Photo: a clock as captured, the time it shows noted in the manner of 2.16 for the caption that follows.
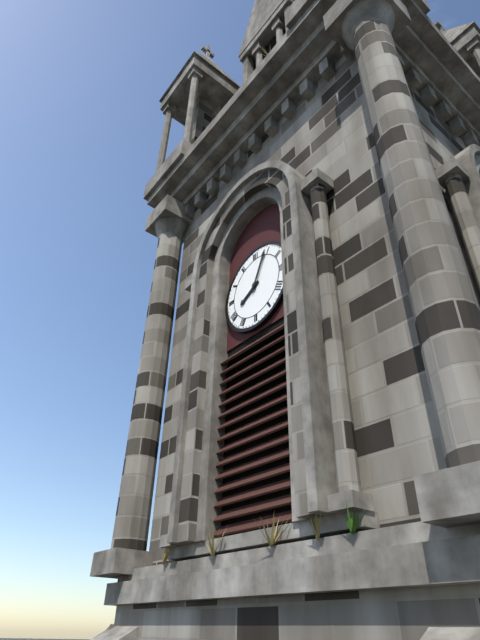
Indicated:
8.04
